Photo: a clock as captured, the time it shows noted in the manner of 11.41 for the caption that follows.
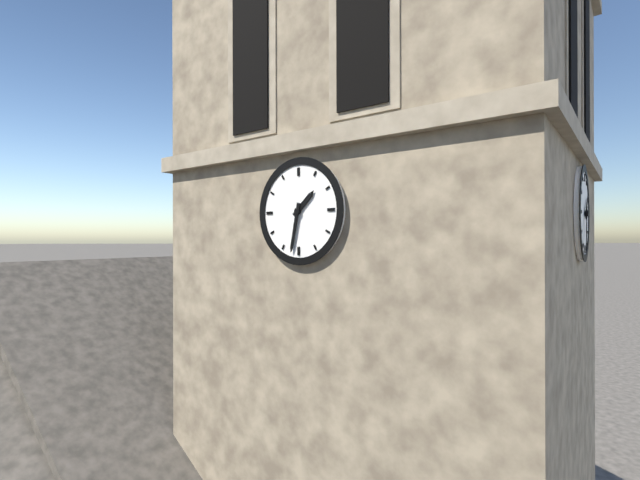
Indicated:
1.32
